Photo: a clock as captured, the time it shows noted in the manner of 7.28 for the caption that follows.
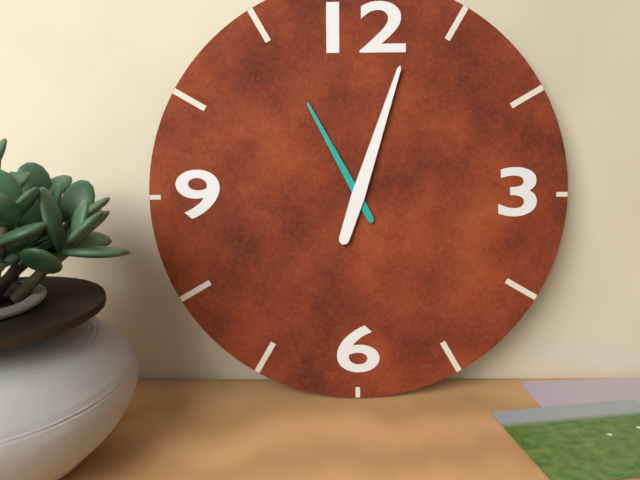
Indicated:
11.03
